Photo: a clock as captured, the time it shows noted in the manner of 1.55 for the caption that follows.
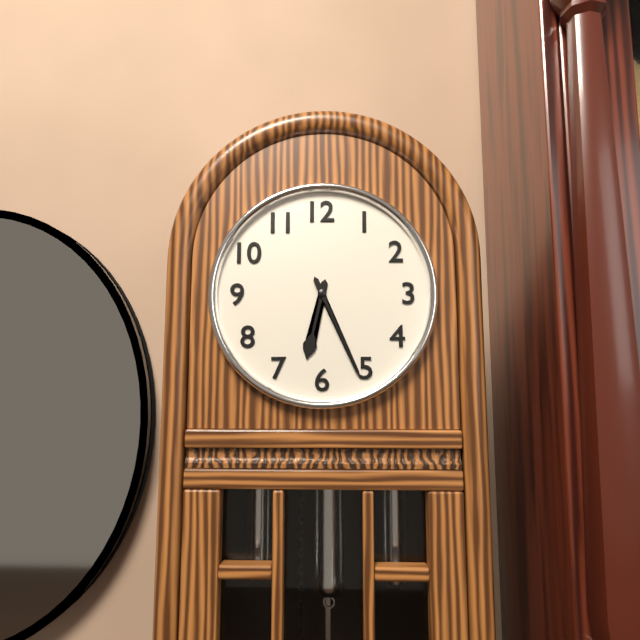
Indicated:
6.26
